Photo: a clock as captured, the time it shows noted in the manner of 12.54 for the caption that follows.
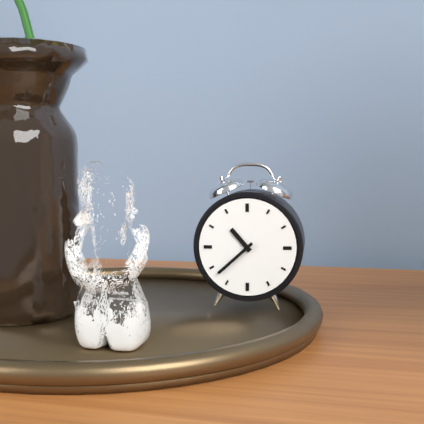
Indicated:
10.38
